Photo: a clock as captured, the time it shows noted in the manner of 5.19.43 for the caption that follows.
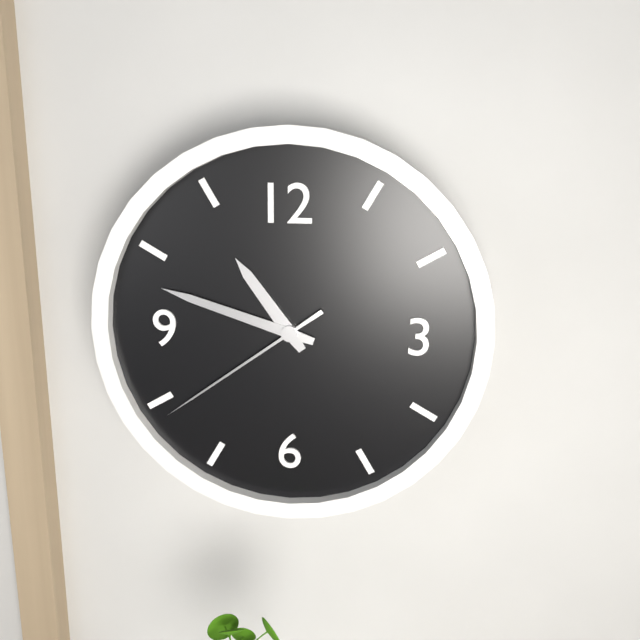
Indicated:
10.48.39
